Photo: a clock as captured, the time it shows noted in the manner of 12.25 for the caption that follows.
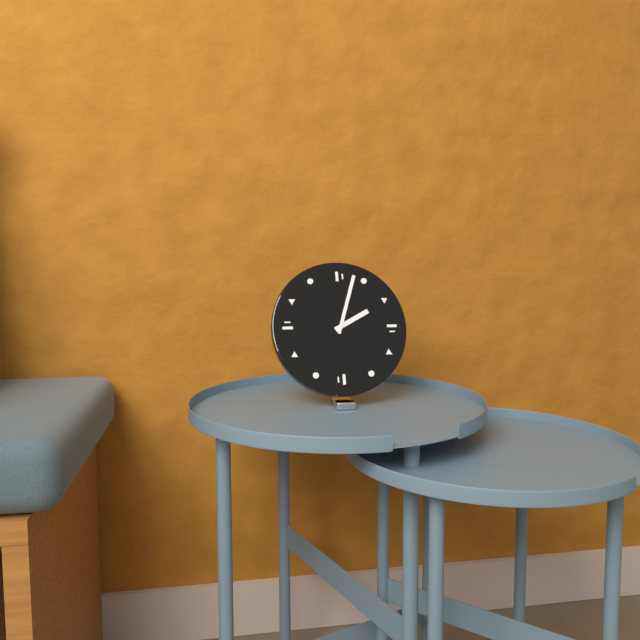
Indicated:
2.03
